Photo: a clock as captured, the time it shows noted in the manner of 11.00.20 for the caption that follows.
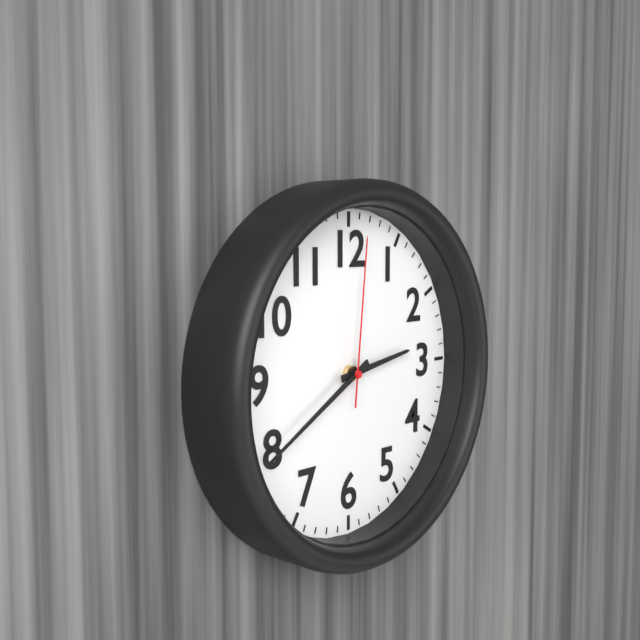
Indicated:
2.40.01
